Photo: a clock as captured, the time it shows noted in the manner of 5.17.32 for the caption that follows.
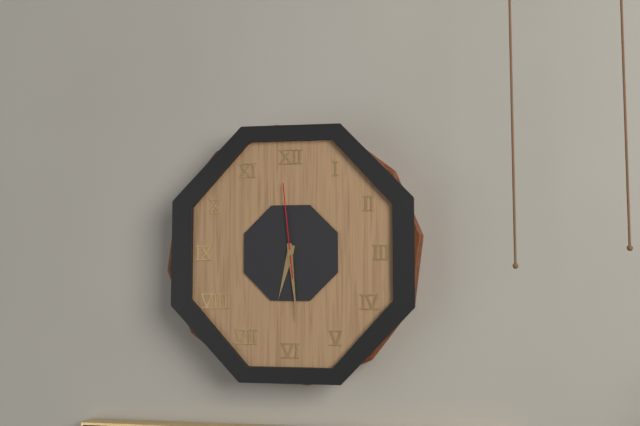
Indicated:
6.29.59
